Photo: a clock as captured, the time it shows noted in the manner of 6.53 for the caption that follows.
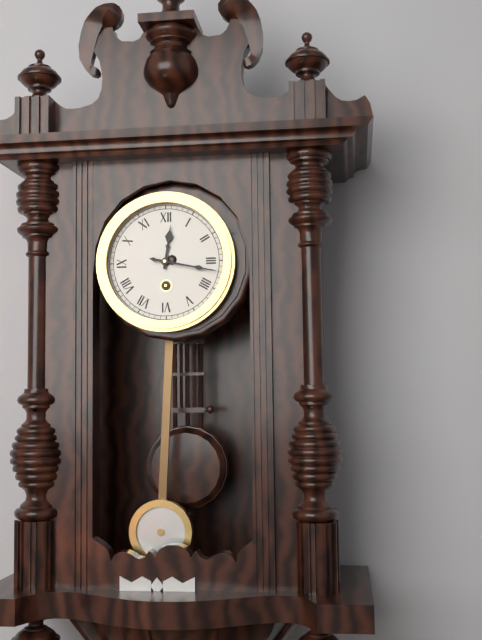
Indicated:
12.17
